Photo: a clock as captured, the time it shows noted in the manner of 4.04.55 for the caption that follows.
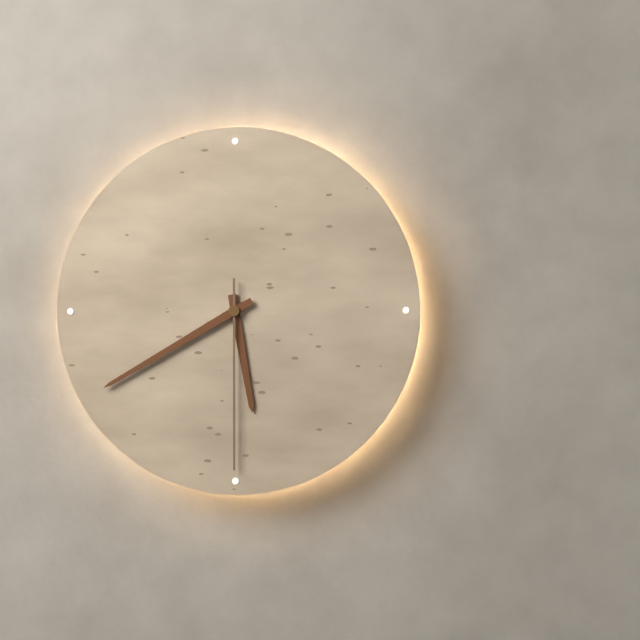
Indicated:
5.40.30
